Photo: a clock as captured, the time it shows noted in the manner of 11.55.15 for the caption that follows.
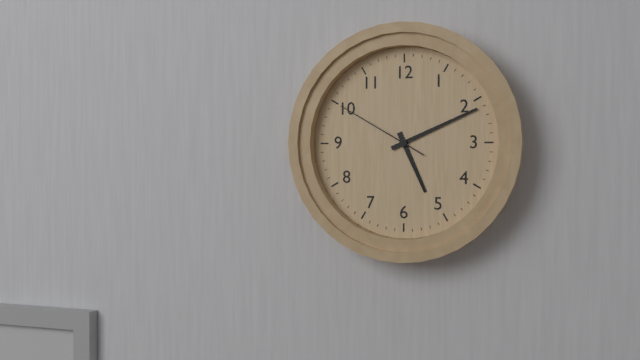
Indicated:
5.11.50
